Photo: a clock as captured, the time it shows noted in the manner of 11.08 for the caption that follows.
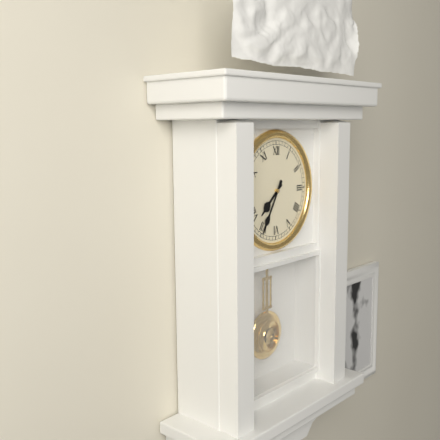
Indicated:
7.35
